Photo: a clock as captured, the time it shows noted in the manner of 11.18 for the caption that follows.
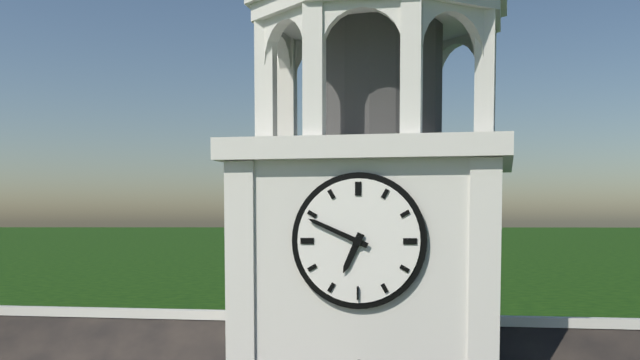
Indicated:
6.49
